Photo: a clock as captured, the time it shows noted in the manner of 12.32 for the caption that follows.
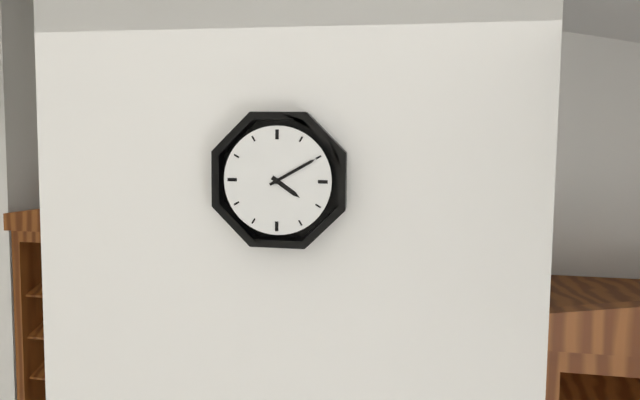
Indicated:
4.10
